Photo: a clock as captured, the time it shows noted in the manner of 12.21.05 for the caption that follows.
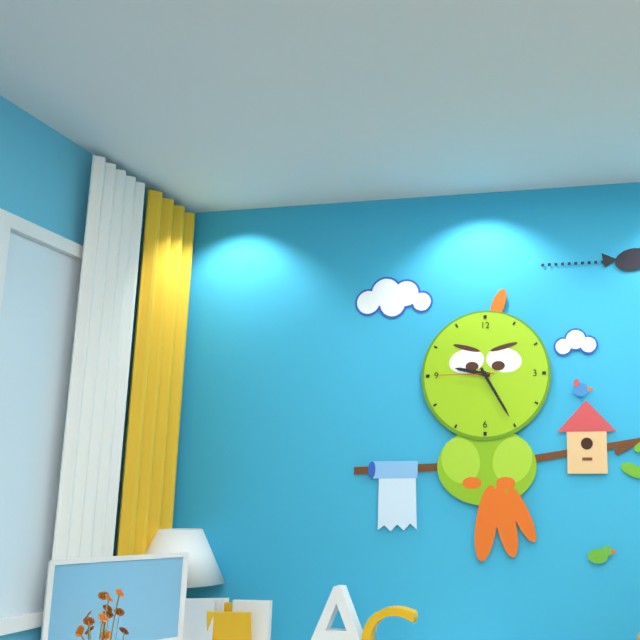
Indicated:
9.25.45
